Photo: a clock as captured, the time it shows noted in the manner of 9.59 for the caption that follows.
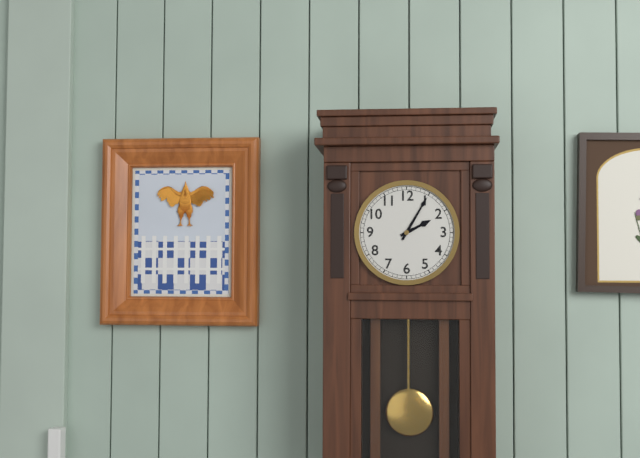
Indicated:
2.05
